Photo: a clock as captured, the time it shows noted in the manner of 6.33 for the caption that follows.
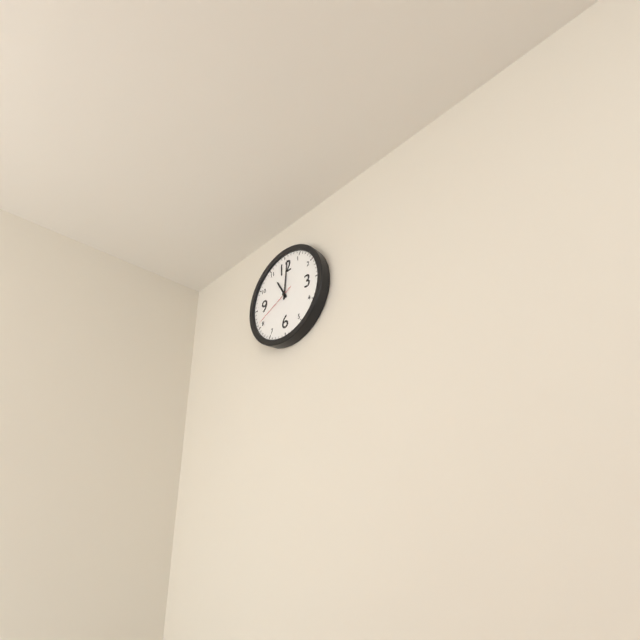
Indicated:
11.01
